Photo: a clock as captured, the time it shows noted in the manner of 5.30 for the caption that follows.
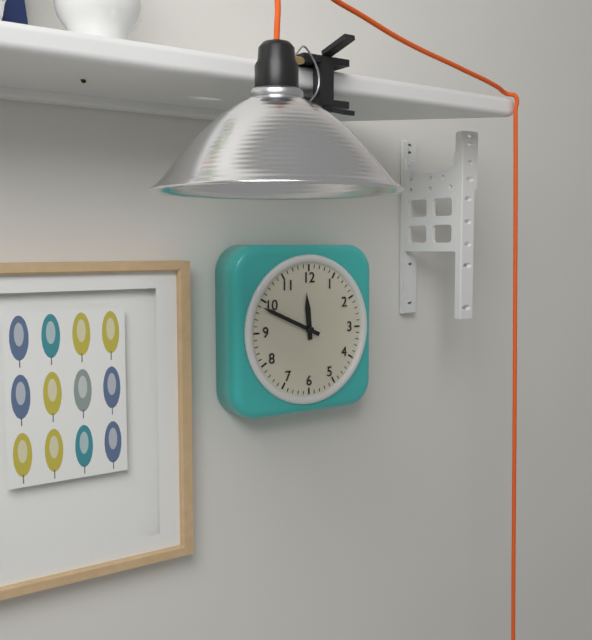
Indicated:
11.49
